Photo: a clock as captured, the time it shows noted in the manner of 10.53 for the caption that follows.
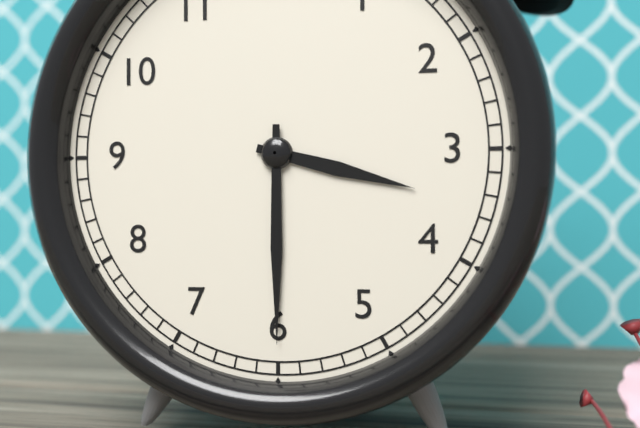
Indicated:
3.30
